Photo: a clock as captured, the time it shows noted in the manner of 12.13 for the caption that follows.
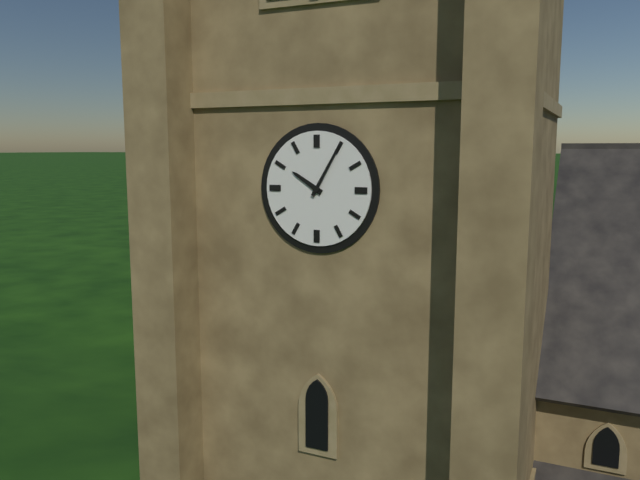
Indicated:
10.05
